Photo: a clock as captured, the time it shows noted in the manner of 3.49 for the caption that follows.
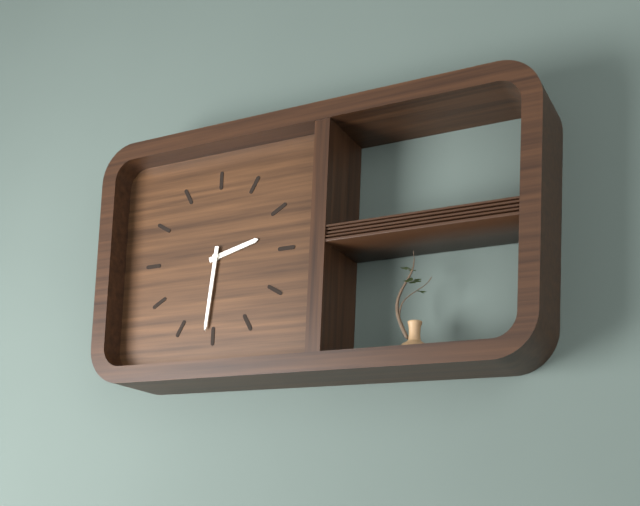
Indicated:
2.31
